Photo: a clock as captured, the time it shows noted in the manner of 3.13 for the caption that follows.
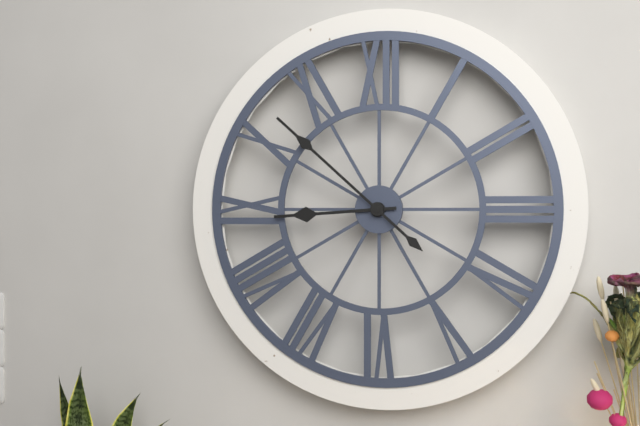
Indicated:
8.52
